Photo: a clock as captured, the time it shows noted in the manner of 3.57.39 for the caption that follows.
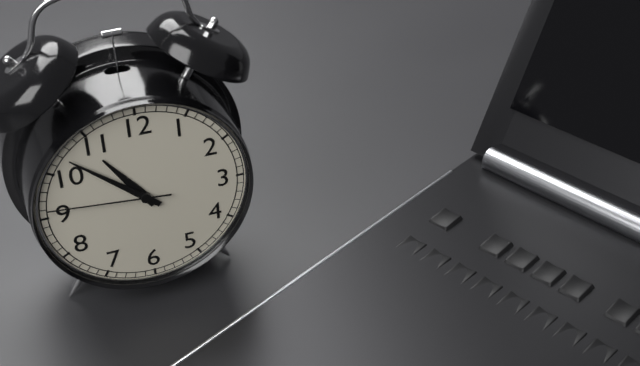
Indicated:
10.52.46
